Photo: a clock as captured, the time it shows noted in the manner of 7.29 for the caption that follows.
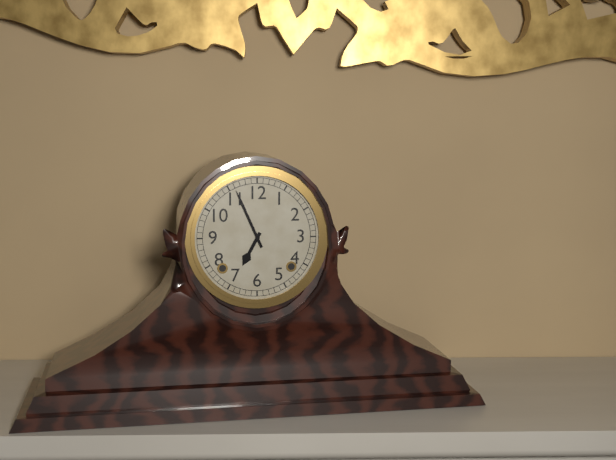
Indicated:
6.56
